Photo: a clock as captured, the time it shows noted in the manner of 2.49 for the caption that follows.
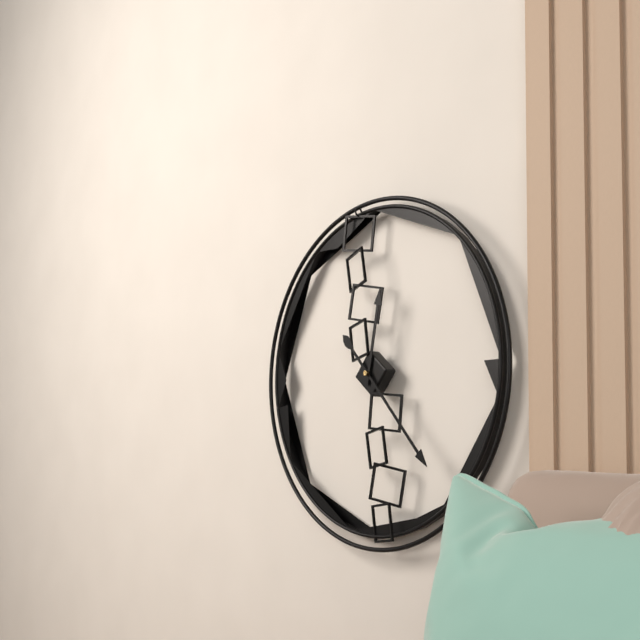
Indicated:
12.23
